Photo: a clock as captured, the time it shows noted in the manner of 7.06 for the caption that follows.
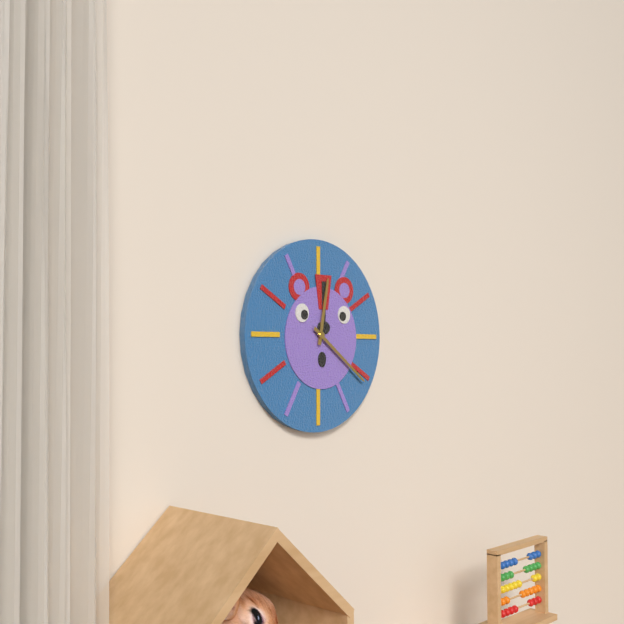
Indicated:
12.21
